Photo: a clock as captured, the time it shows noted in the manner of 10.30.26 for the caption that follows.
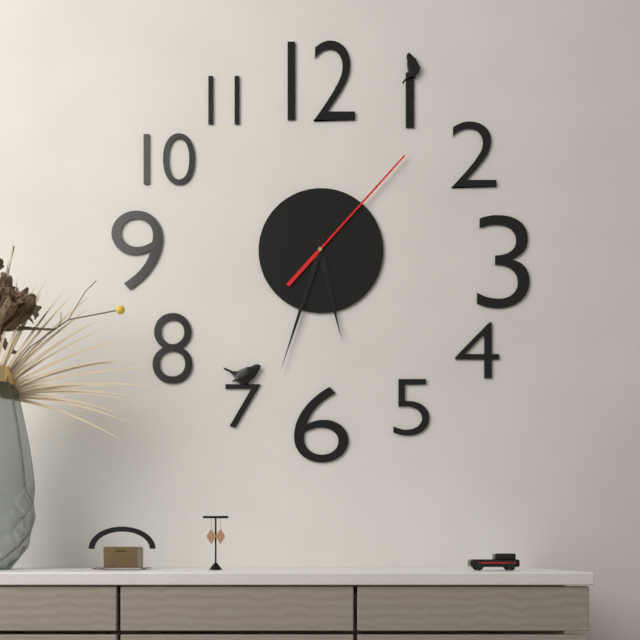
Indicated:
5.33.07
